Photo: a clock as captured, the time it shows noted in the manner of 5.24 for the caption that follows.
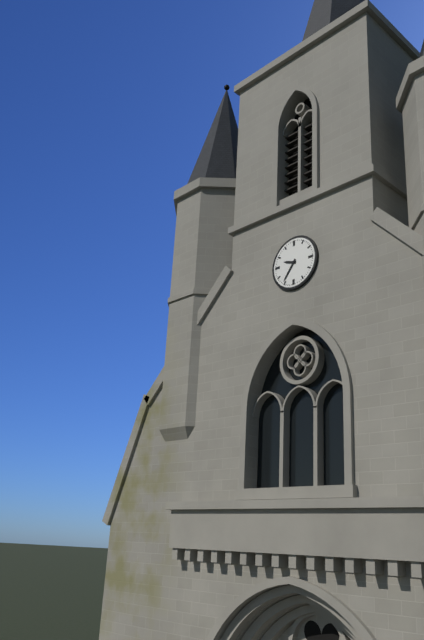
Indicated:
9.36
